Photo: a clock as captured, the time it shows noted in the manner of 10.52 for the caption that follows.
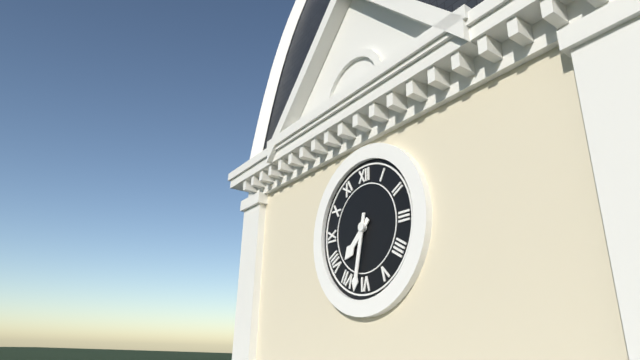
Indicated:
7.32
